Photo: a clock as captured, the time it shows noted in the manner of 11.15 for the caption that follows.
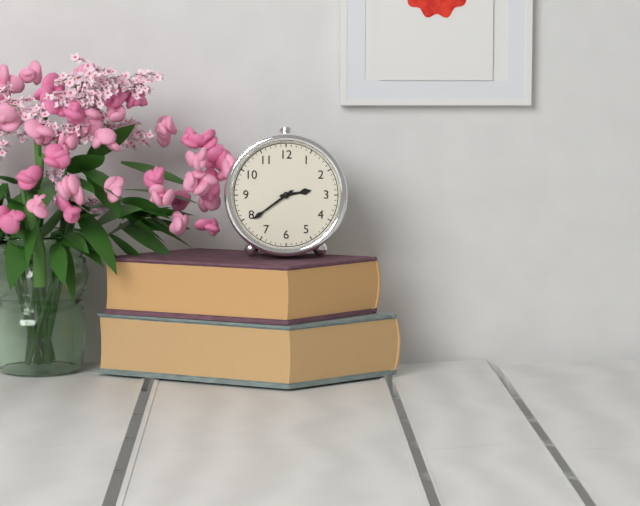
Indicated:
2.39
